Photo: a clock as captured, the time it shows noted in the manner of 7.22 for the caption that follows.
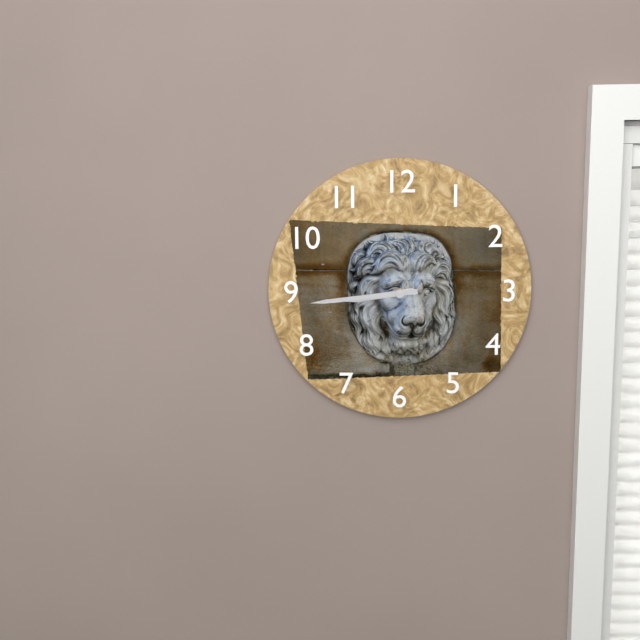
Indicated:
8.44
